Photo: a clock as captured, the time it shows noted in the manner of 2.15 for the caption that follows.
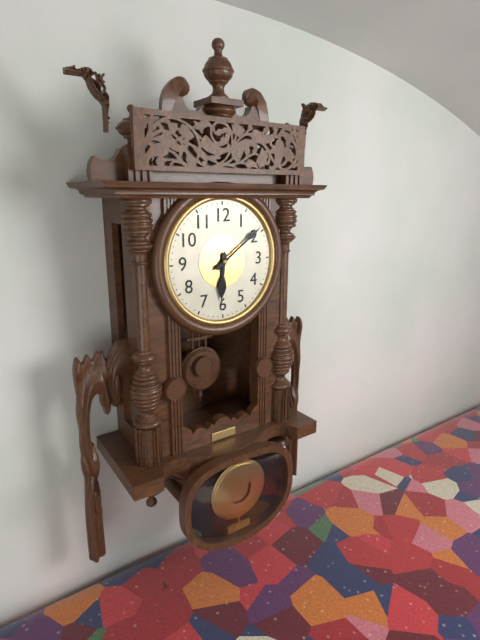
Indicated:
6.09
